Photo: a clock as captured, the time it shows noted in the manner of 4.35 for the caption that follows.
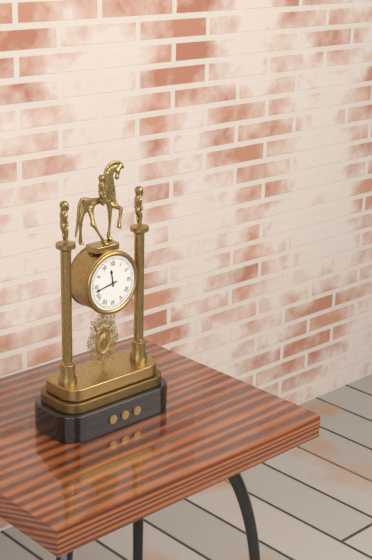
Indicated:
11.43
